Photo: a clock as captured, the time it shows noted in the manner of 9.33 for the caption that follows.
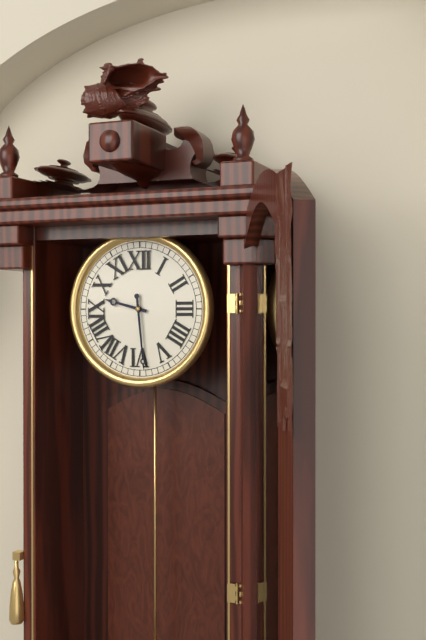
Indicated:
9.29
